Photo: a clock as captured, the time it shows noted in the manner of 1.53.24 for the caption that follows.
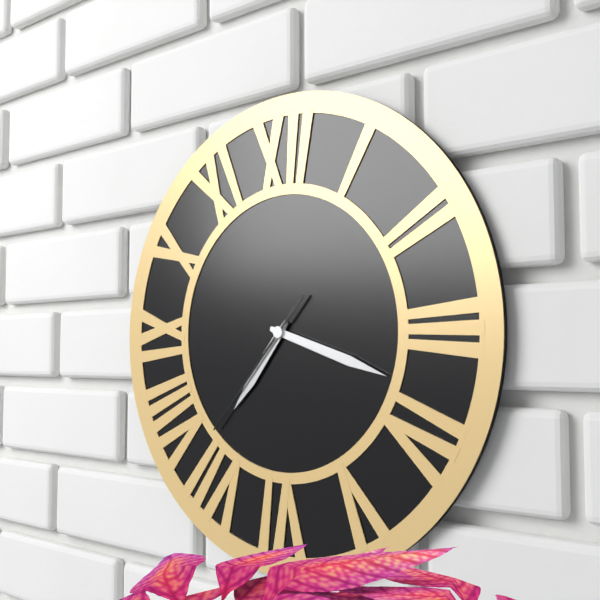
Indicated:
7.18.37
